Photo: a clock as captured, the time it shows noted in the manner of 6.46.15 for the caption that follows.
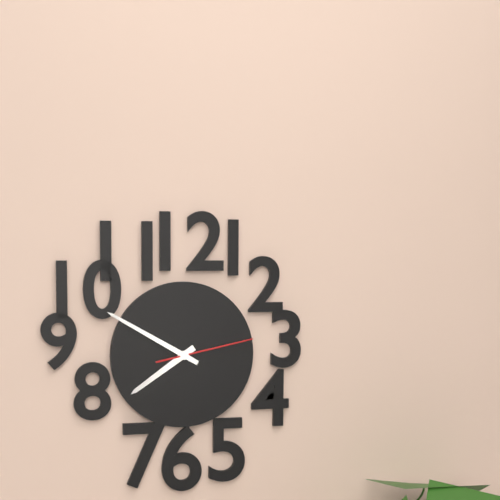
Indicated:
7.50.13
